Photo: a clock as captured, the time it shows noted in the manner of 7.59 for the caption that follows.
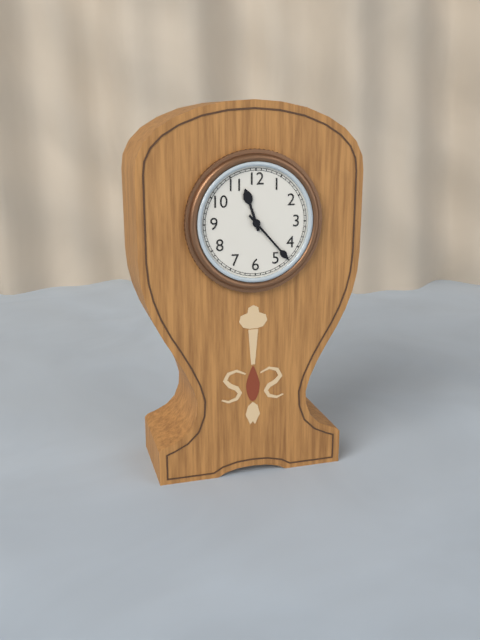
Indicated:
11.23
